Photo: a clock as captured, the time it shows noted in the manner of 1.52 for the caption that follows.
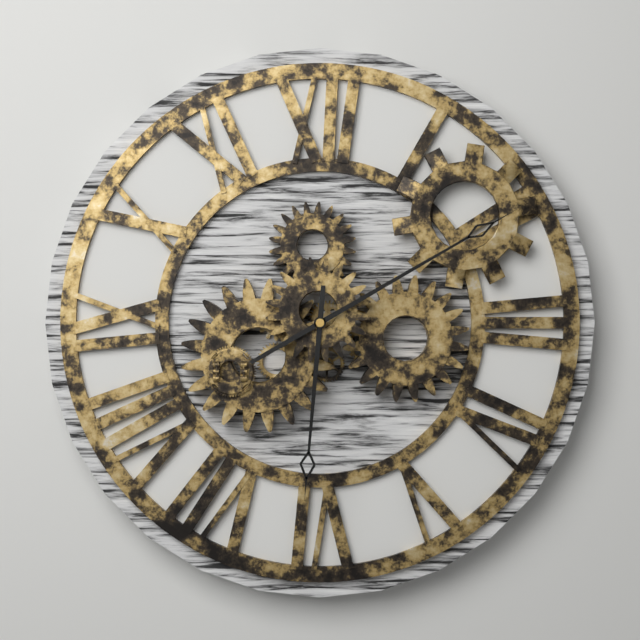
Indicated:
6.10
